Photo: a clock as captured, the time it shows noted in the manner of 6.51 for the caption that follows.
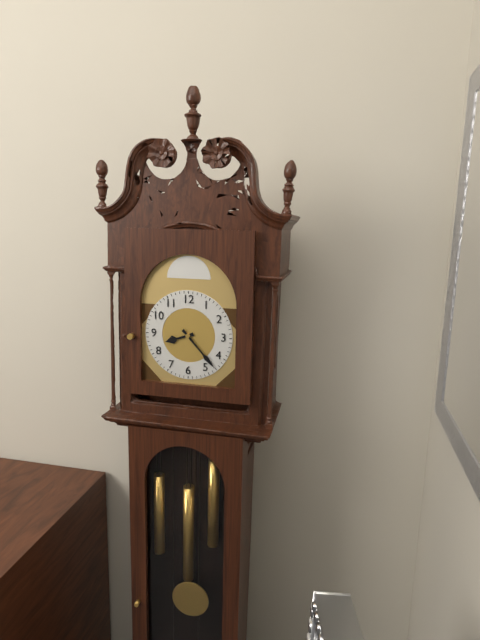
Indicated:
8.23
